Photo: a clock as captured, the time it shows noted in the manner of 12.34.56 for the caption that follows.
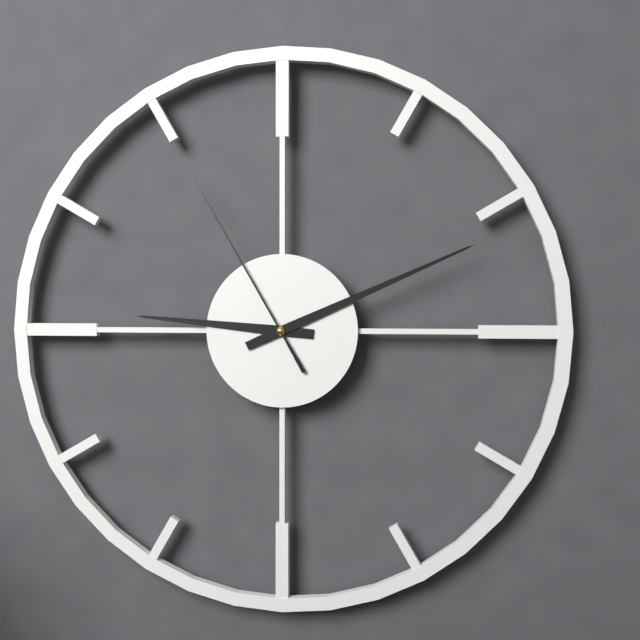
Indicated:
9.11.55
